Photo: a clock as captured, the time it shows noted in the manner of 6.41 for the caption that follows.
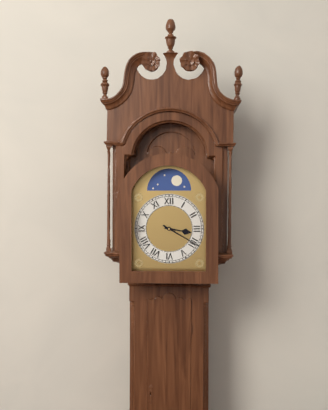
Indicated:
3.20
